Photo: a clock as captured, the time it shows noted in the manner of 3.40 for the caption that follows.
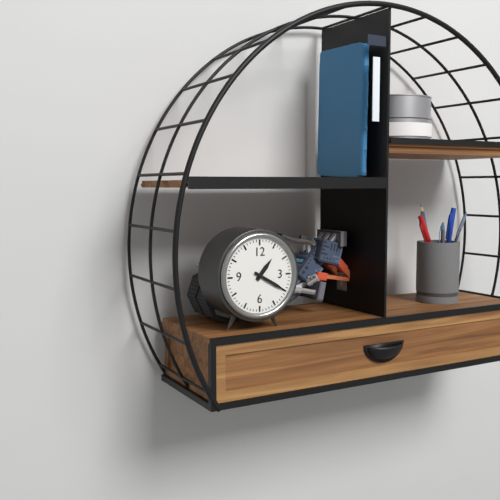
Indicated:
1.20
